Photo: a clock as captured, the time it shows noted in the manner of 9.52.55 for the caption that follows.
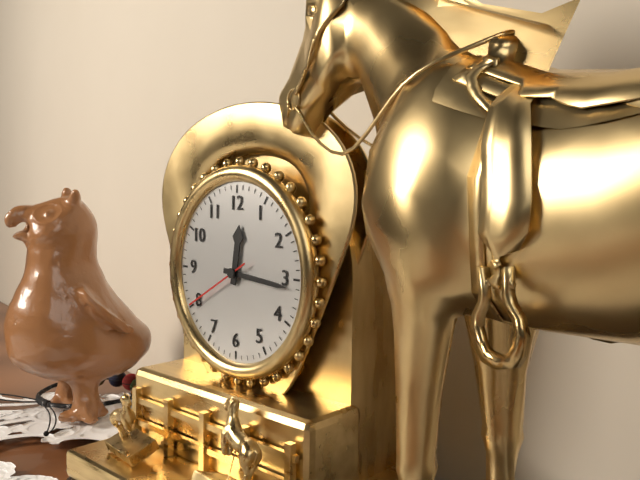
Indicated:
12.16.40
